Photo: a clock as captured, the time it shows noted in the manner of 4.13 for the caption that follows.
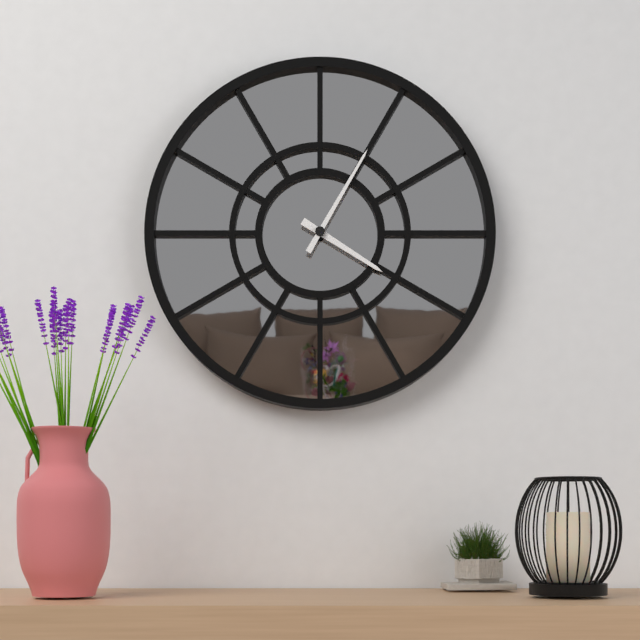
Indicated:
4.05
